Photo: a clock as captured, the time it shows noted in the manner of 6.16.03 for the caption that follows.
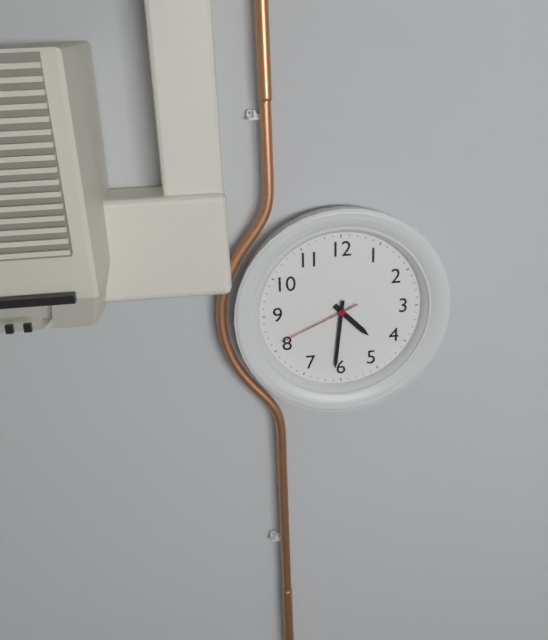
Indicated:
4.31.41
